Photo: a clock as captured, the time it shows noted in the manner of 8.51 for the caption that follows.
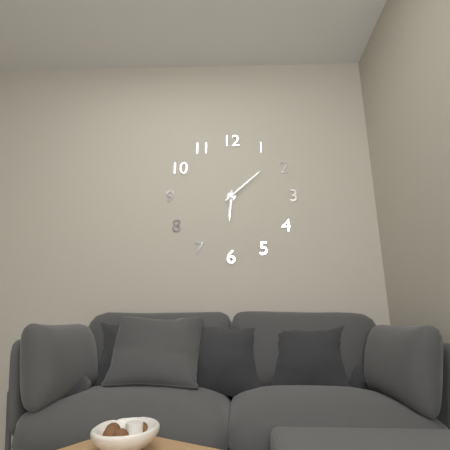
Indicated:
6.08
